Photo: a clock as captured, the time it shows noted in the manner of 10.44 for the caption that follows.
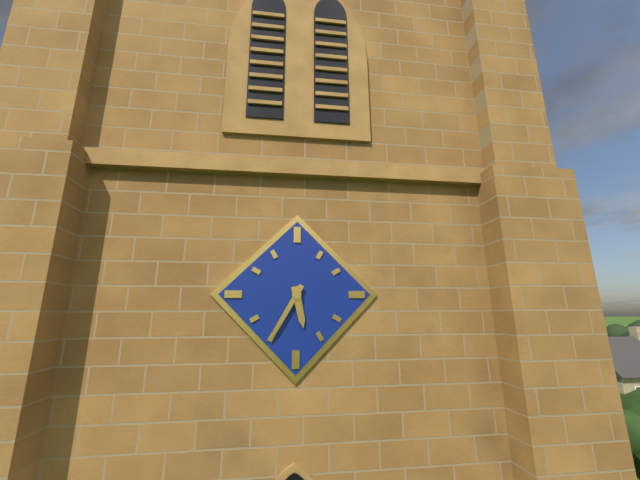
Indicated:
5.35
